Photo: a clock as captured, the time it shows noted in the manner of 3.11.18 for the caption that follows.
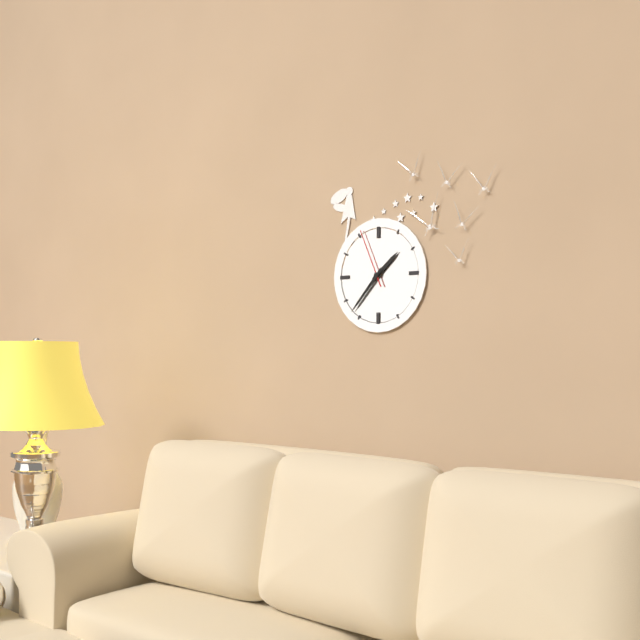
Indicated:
1.37.56
